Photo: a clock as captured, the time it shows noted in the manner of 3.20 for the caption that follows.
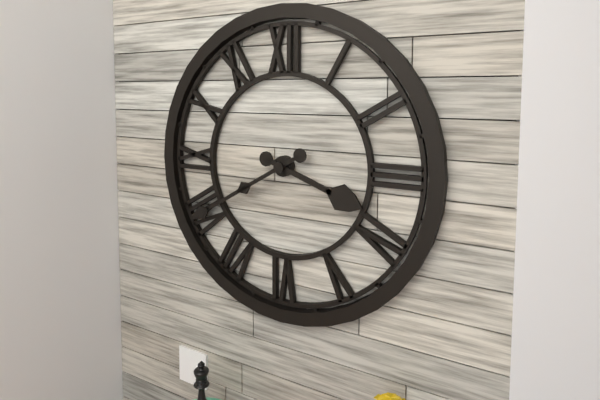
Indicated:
3.40
